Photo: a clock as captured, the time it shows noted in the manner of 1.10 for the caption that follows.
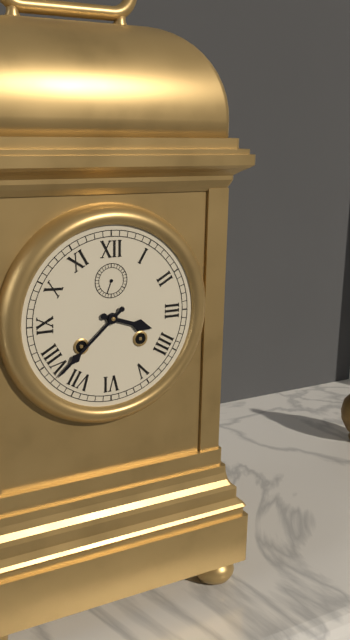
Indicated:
3.38
